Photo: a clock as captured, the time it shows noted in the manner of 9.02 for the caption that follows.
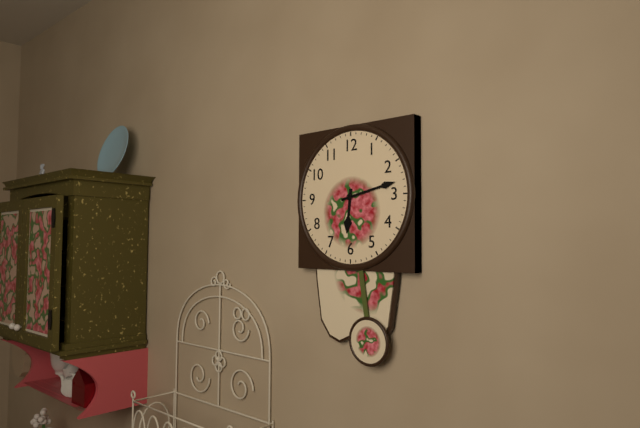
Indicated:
6.13
